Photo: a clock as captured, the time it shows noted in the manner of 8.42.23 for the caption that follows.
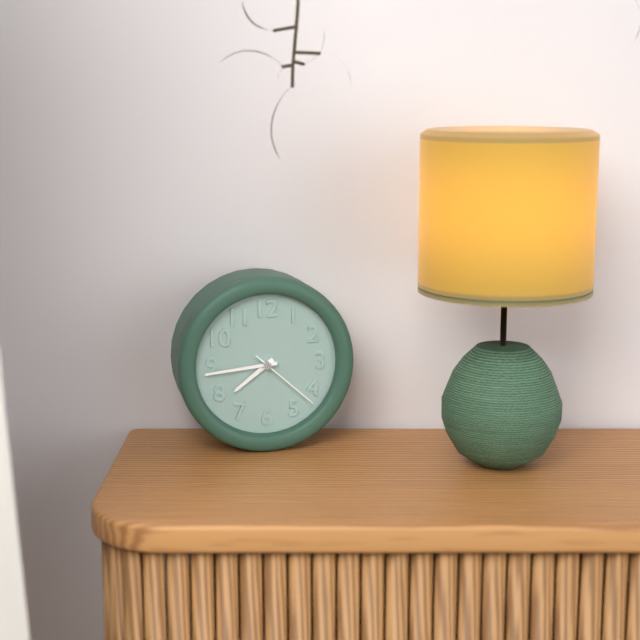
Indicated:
7.44.22
